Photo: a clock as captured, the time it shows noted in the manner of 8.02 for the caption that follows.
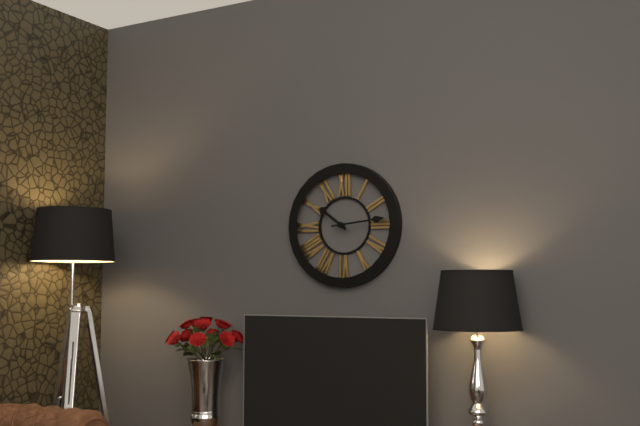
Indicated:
10.14
